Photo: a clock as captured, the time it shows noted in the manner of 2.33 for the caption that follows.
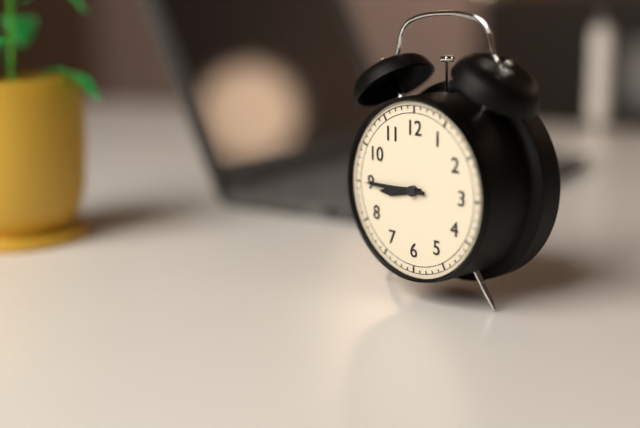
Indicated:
8.45
